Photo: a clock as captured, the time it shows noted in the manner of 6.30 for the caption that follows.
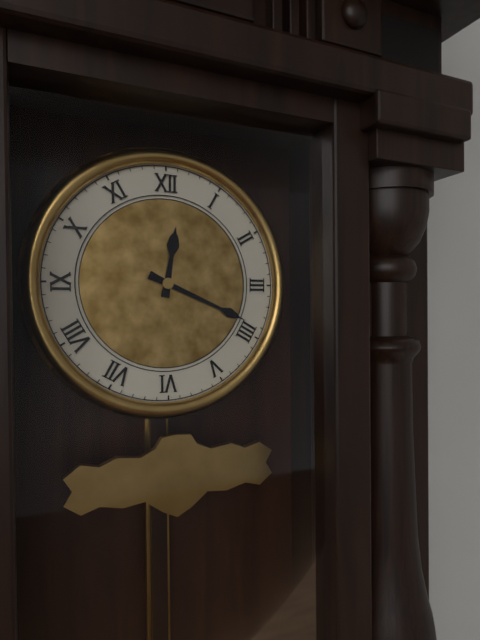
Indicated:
12.19
